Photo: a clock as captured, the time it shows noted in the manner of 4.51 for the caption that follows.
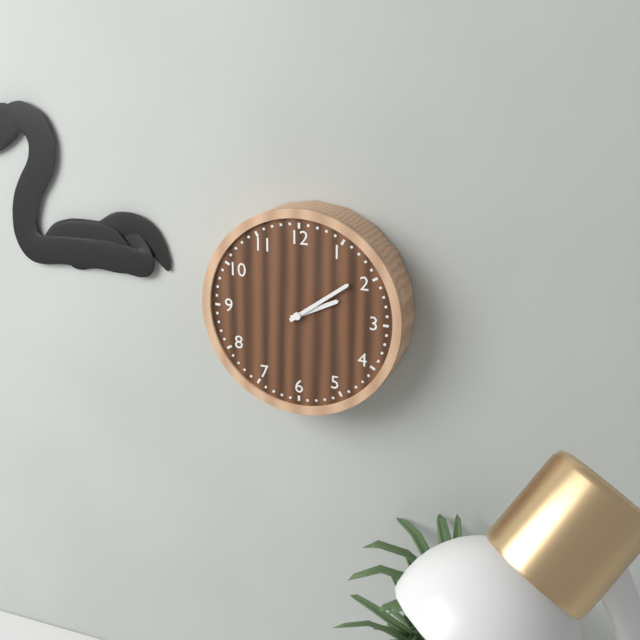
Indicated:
2.09
